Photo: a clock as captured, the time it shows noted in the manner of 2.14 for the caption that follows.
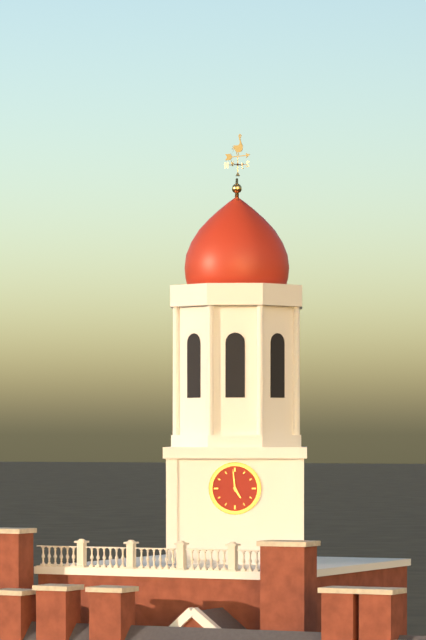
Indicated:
4.59
